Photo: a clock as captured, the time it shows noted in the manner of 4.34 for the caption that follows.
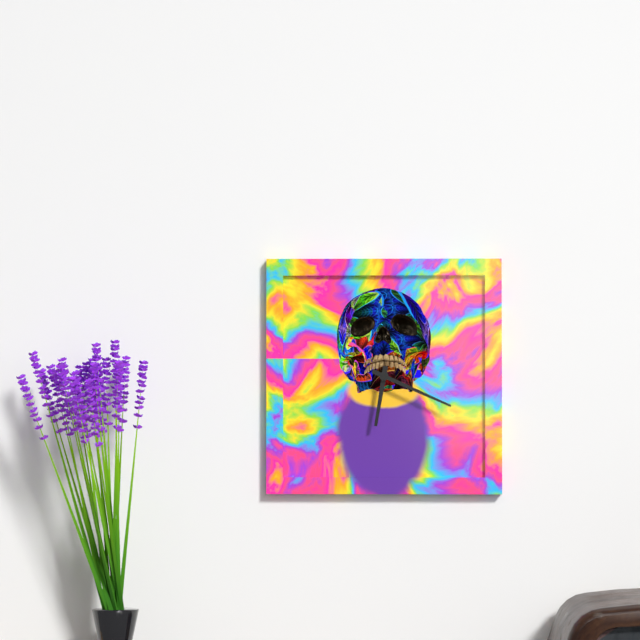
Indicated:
6.19
